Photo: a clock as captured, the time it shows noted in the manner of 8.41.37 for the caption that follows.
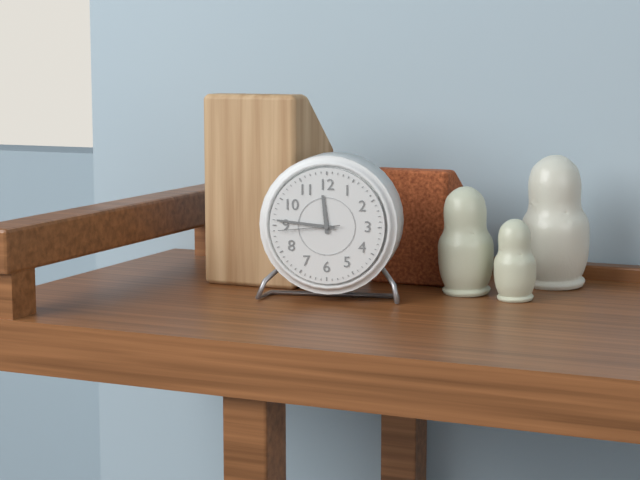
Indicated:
11.46.44
